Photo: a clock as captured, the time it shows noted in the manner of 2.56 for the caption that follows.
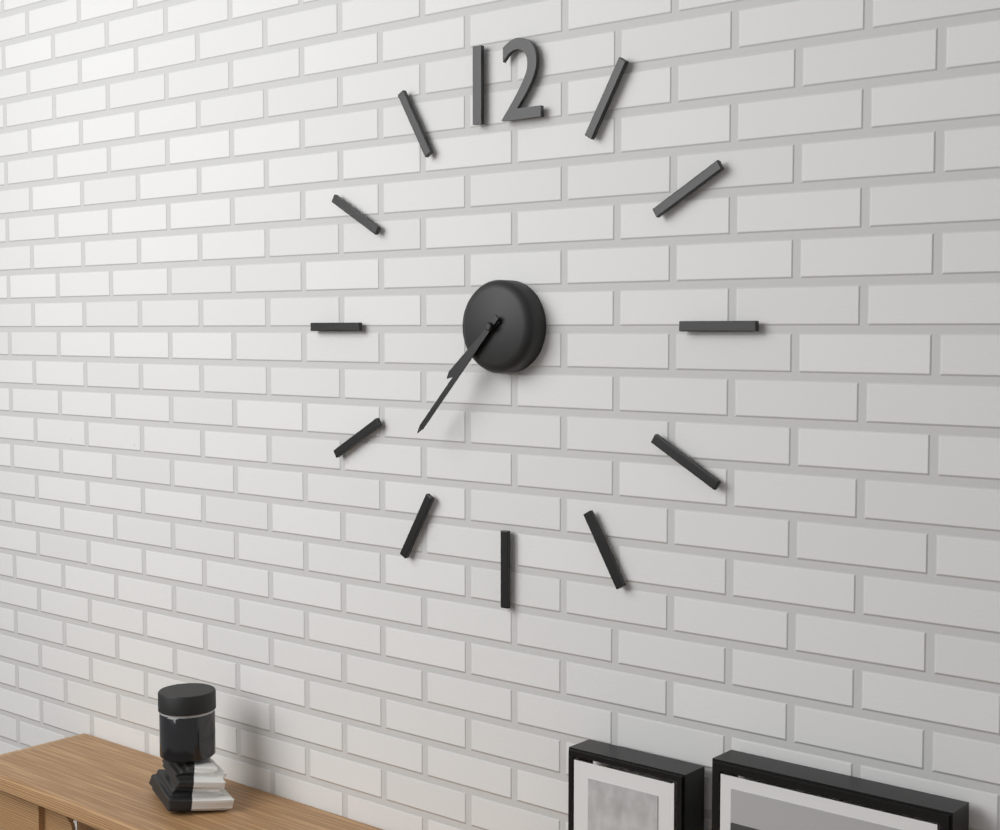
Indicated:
7.37
